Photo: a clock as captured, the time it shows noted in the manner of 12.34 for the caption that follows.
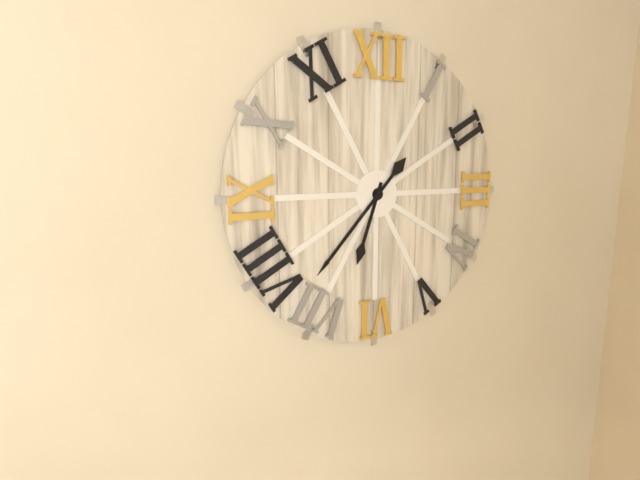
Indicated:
6.37
